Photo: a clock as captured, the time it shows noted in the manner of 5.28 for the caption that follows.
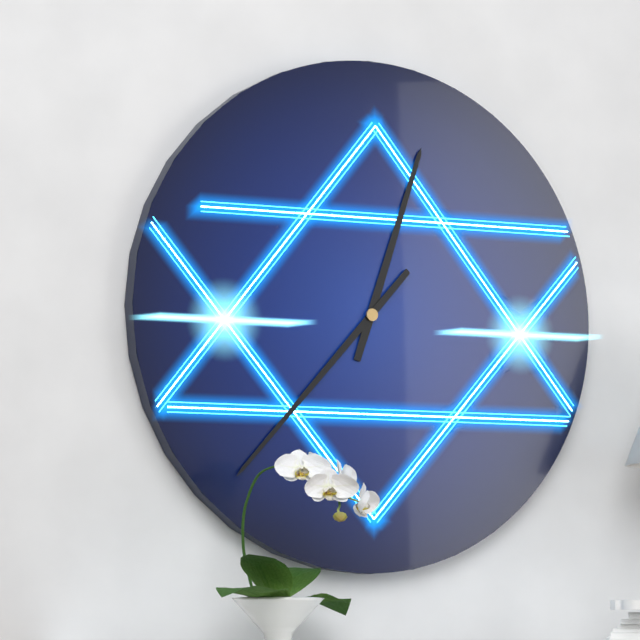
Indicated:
12.37
